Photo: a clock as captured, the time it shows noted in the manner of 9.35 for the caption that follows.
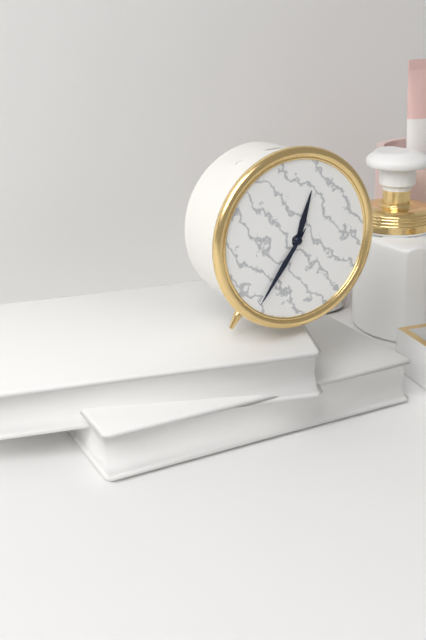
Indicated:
12.36
